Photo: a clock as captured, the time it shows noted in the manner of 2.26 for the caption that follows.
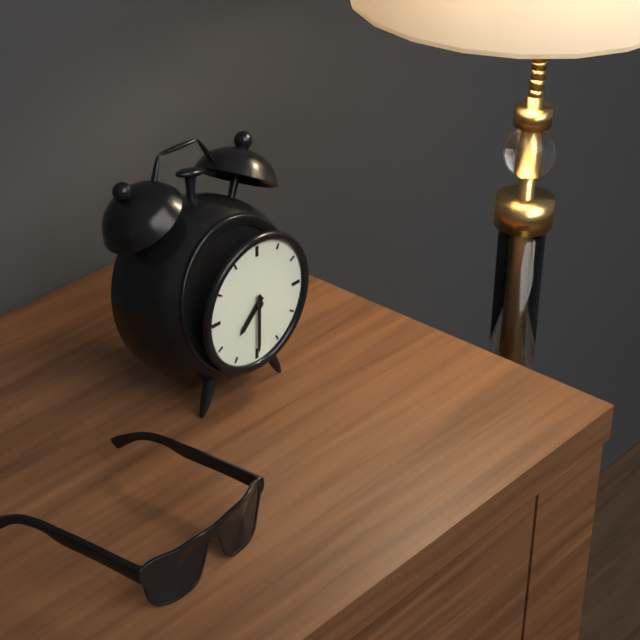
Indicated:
7.30
